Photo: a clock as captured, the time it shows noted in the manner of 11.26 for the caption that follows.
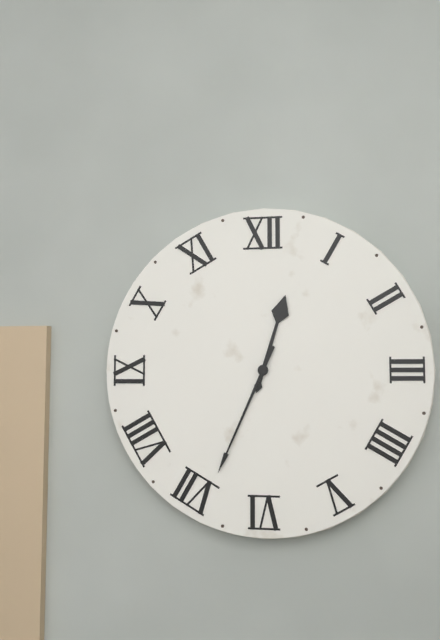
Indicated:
12.34
